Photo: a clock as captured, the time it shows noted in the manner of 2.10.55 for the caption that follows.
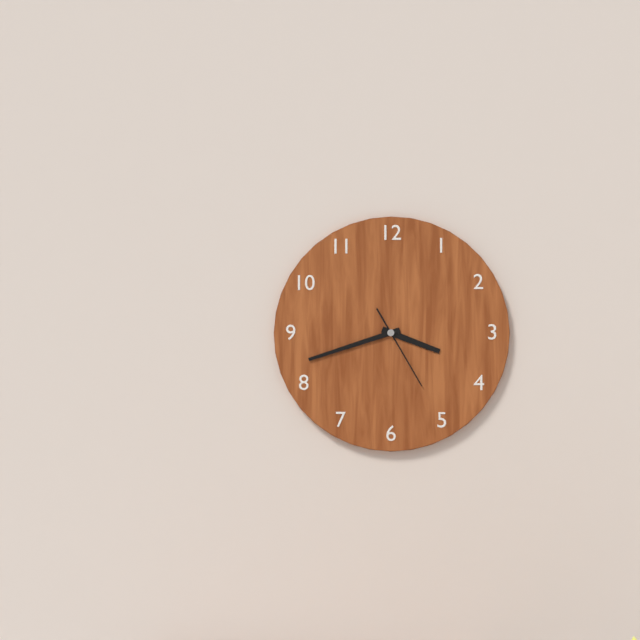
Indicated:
3.42.25
